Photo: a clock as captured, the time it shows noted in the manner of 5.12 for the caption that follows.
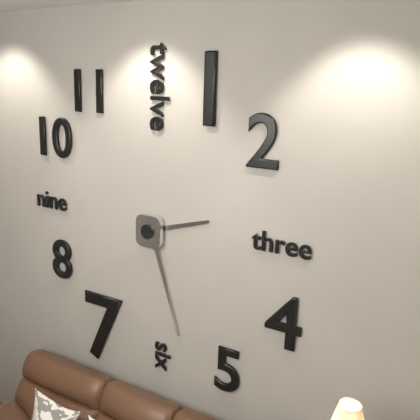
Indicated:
2.27
